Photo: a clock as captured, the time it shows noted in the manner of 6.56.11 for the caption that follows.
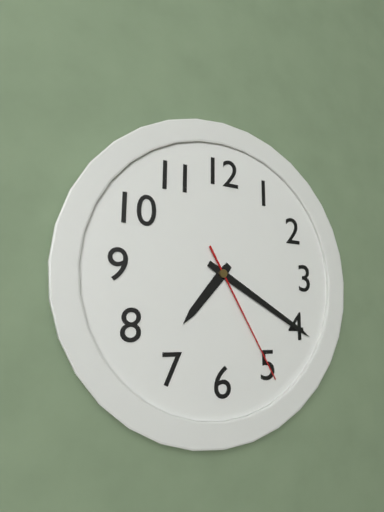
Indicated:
7.20.25
